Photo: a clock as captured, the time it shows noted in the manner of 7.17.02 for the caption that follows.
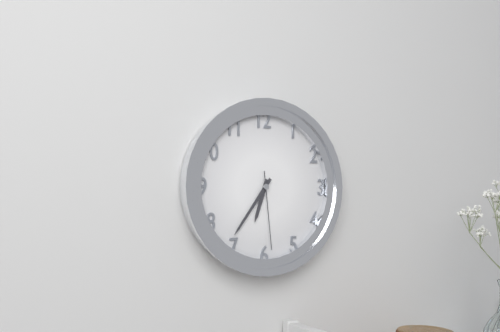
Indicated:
6.36.29
